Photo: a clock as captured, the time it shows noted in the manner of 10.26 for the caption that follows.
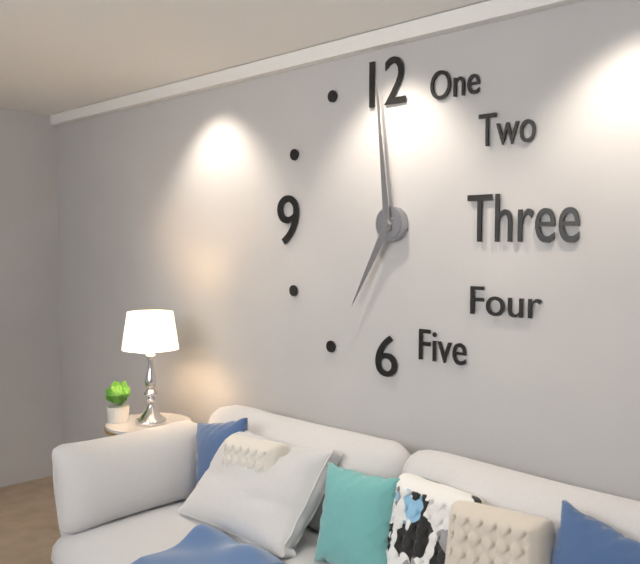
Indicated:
6.59
